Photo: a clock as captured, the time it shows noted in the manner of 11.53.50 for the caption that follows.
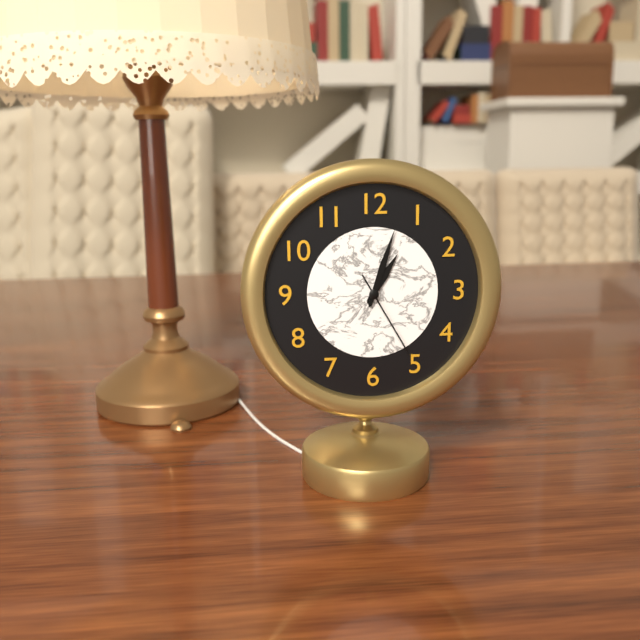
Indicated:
1.03.25
